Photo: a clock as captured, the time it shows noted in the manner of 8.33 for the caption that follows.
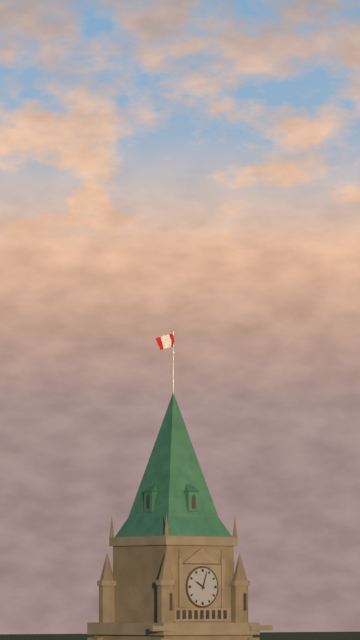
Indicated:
10.03
